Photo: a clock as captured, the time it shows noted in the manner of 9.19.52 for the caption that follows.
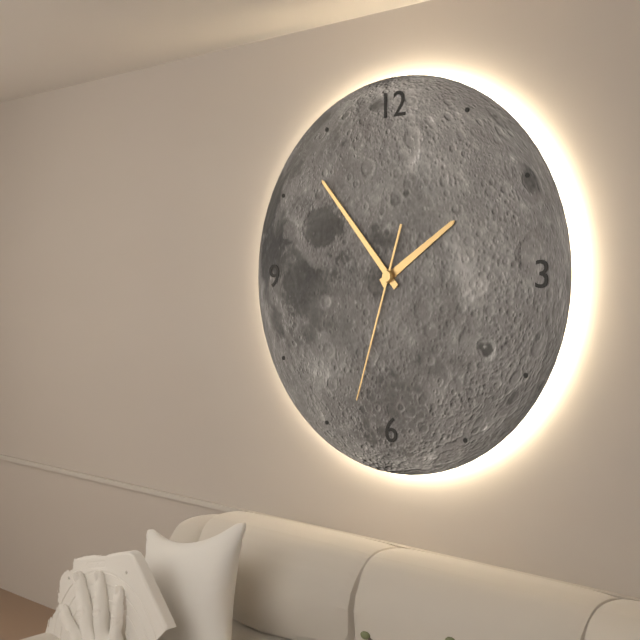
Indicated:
1.53.33
